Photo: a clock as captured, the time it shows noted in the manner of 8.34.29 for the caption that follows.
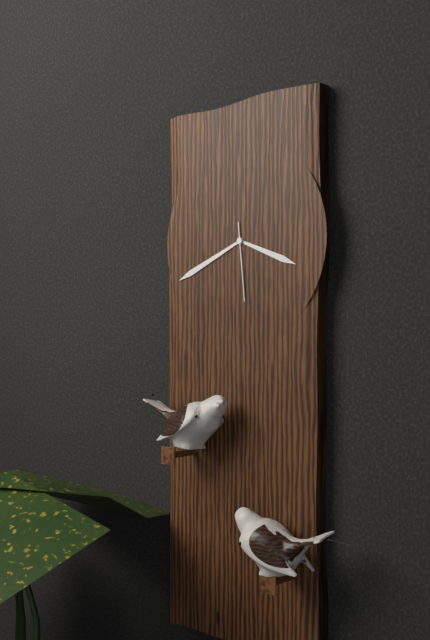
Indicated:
3.41.29
